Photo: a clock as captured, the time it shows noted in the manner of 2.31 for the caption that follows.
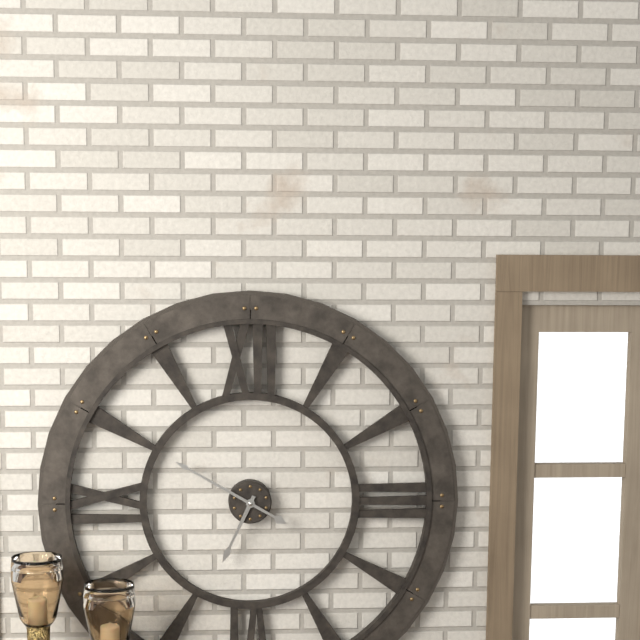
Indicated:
6.50
